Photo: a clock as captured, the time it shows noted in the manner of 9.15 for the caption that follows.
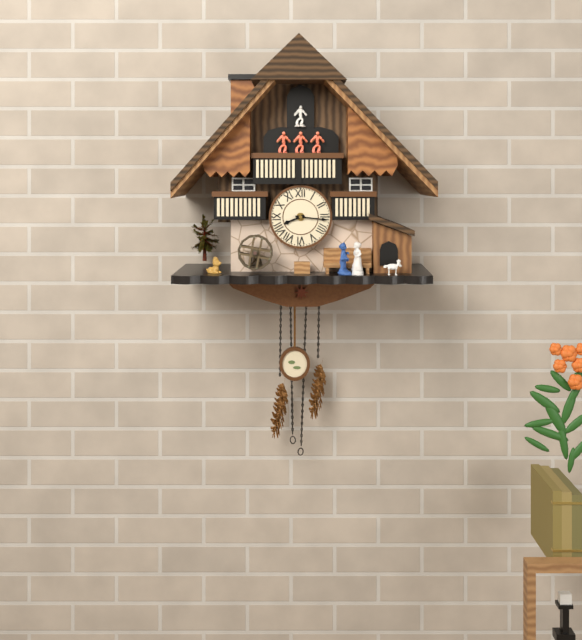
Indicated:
8.16
